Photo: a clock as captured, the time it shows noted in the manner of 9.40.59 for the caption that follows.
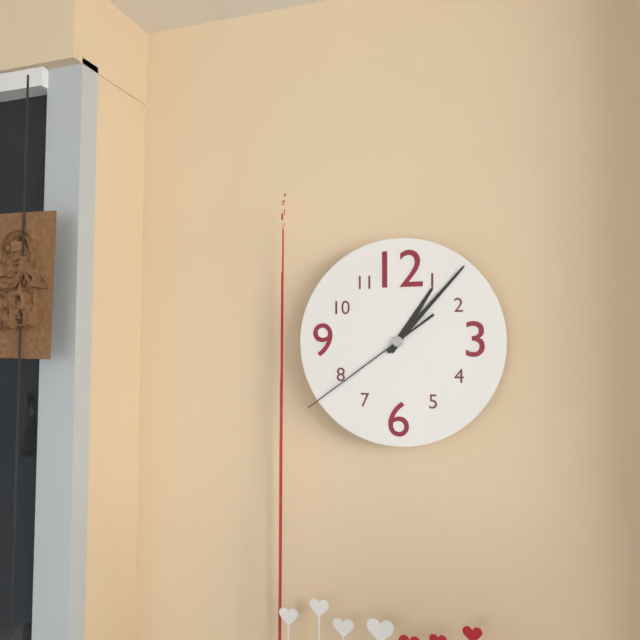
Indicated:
1.07.39
